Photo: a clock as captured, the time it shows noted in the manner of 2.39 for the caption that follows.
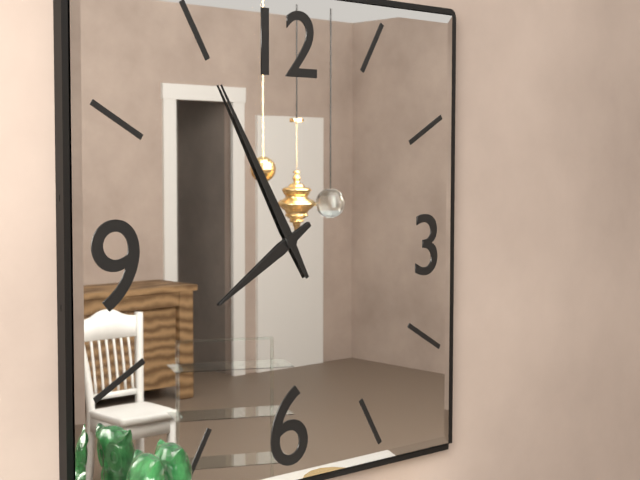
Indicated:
7.55
